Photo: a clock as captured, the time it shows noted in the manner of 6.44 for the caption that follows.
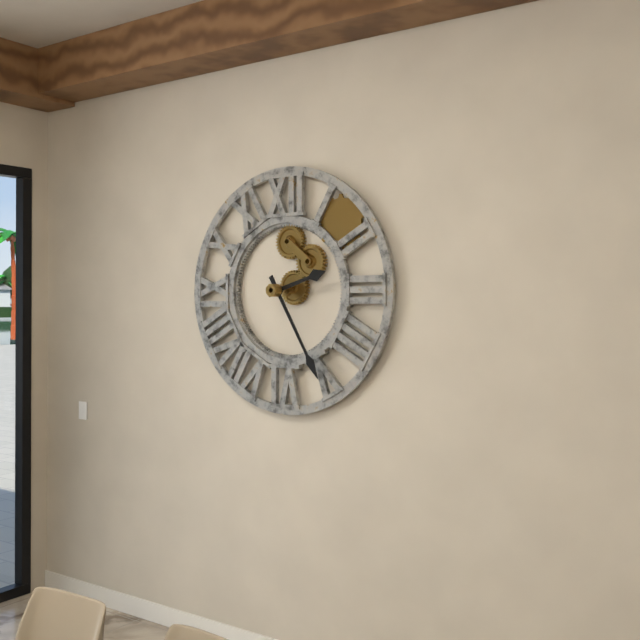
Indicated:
2.25
